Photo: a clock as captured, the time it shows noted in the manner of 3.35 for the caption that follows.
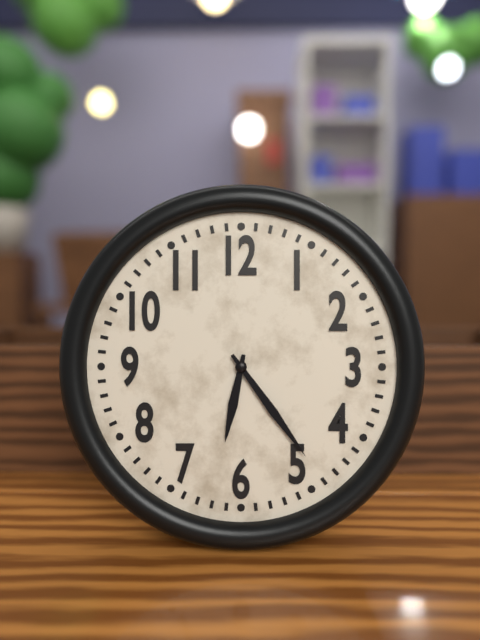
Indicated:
6.24
